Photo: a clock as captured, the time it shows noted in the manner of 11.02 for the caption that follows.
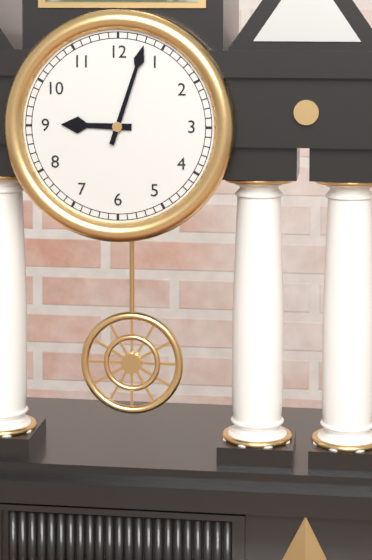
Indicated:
9.03
